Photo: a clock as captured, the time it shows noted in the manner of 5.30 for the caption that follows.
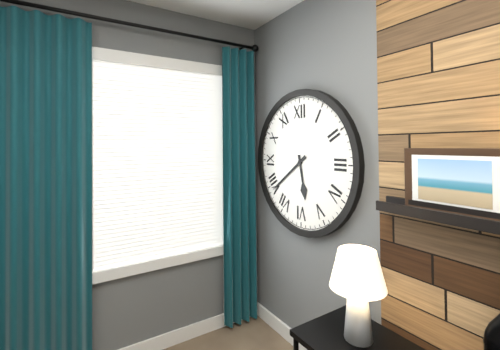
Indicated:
5.39
